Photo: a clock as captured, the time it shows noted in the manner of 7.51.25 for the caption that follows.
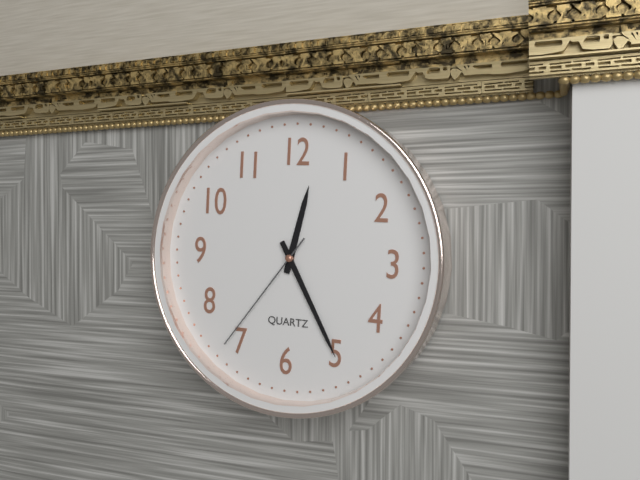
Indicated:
12.25.36
